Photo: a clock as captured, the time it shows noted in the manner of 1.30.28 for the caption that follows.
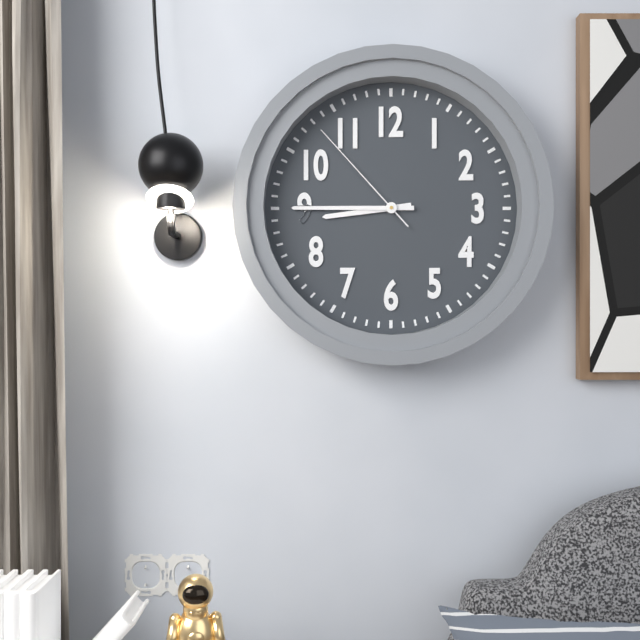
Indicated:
8.45.53
